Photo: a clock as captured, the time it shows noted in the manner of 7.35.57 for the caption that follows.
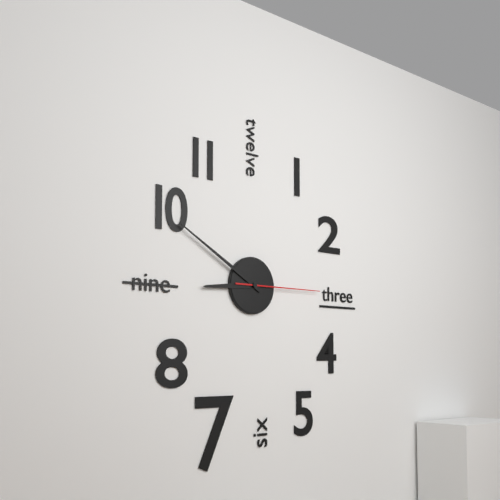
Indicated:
8.50.15
